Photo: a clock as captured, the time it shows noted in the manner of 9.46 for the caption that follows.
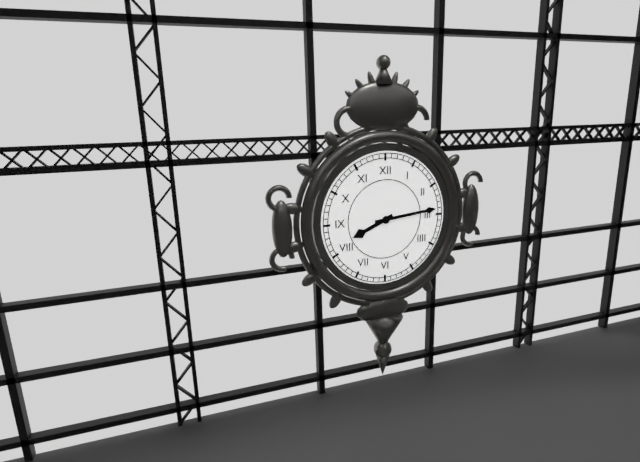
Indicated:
8.14
